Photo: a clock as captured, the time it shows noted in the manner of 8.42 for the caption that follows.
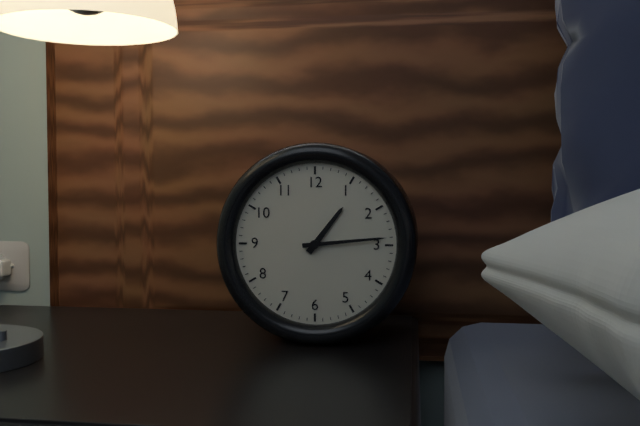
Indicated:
1.14
